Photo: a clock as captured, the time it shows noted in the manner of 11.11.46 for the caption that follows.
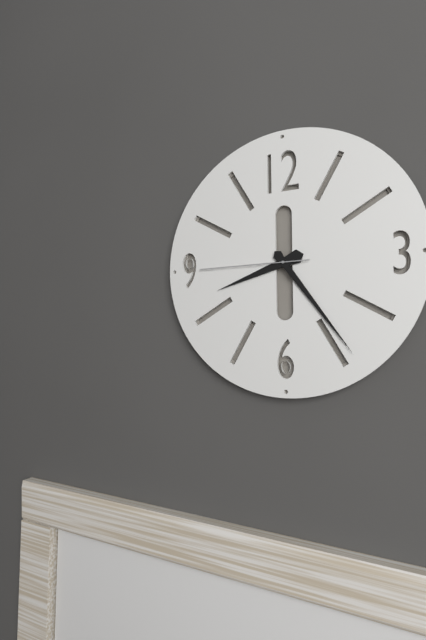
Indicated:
8.24.45
